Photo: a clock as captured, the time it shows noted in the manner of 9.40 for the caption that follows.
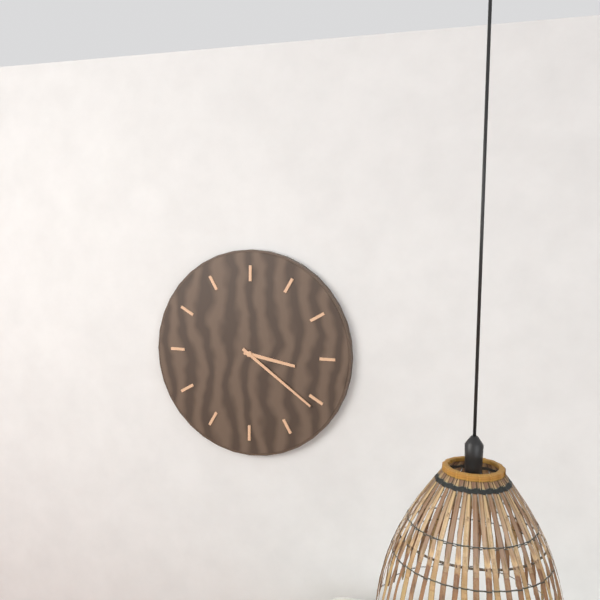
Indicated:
3.21
